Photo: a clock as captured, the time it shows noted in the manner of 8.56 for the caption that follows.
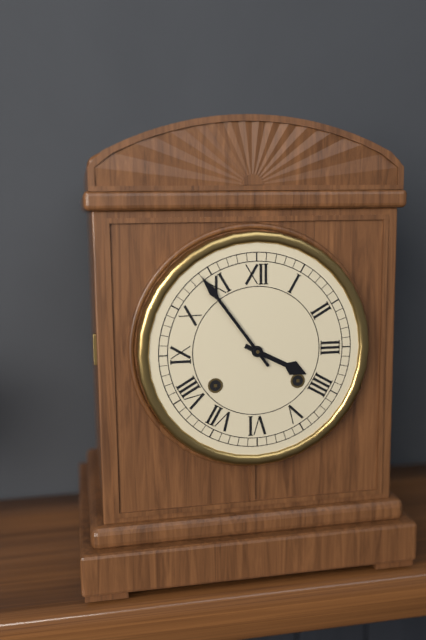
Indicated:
3.54
